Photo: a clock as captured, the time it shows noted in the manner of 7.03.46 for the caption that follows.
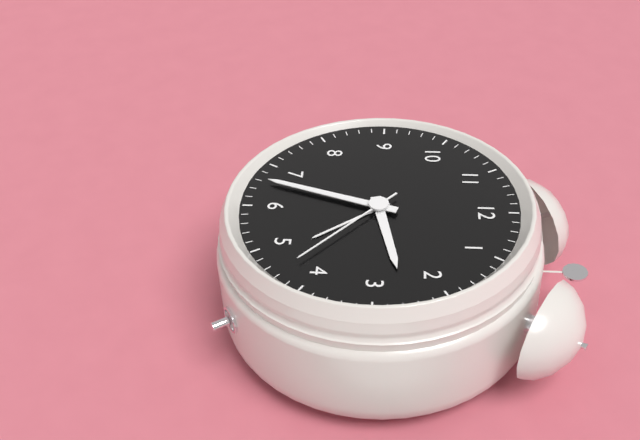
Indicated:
2.33.22
